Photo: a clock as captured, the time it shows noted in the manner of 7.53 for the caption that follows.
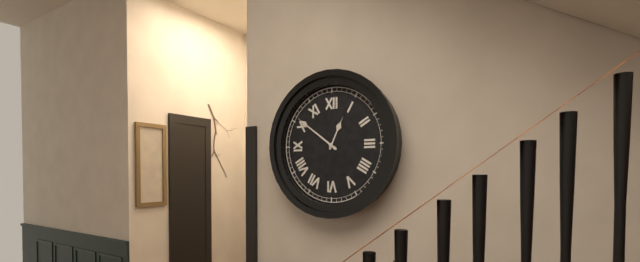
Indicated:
12.51
